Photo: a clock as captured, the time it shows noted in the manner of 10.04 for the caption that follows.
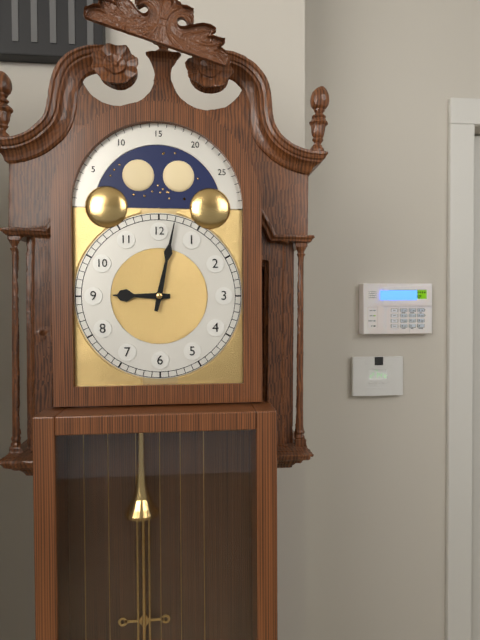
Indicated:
9.02
